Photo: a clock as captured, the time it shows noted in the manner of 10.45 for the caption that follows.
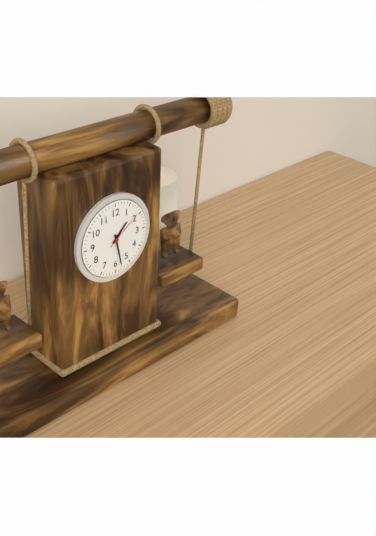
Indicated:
1.28
